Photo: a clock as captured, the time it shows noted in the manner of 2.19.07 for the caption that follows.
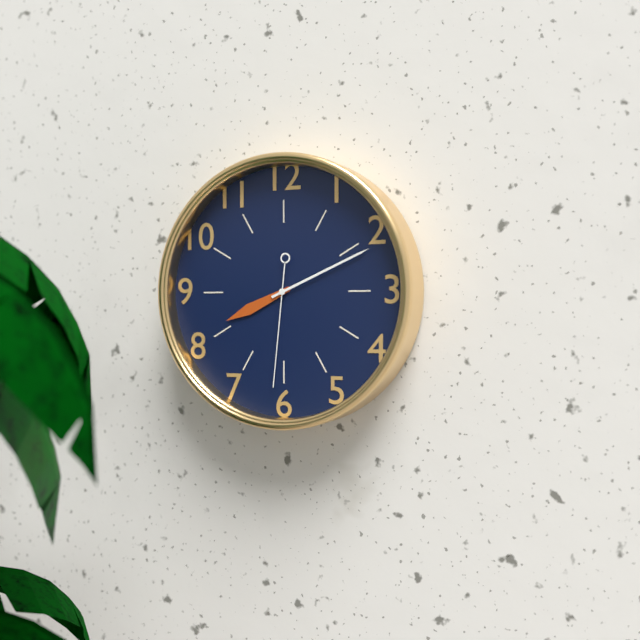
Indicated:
8.11.31
